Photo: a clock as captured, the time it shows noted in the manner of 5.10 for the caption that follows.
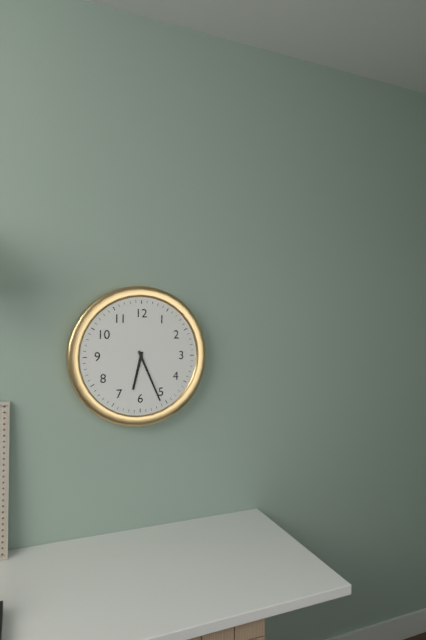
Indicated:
6.26
